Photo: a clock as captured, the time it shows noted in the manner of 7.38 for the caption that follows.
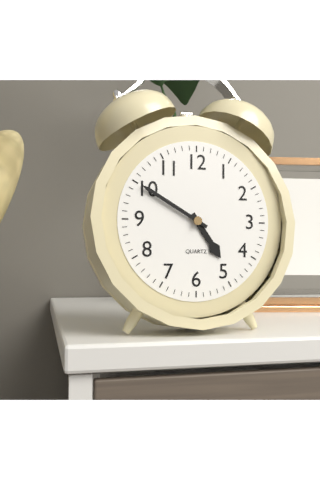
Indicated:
4.50
